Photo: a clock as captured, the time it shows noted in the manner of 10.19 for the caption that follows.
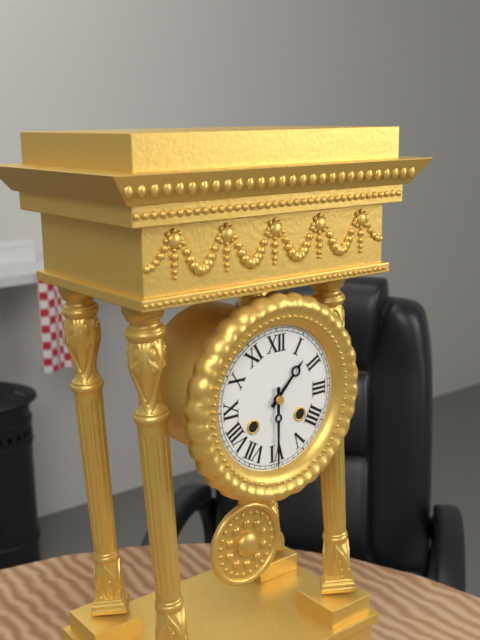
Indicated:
1.30
